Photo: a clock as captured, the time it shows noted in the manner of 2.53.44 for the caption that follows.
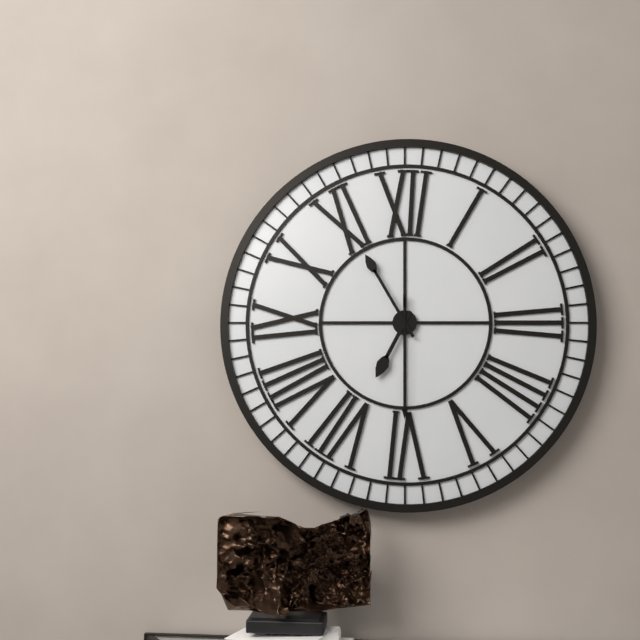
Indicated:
6.55.30
